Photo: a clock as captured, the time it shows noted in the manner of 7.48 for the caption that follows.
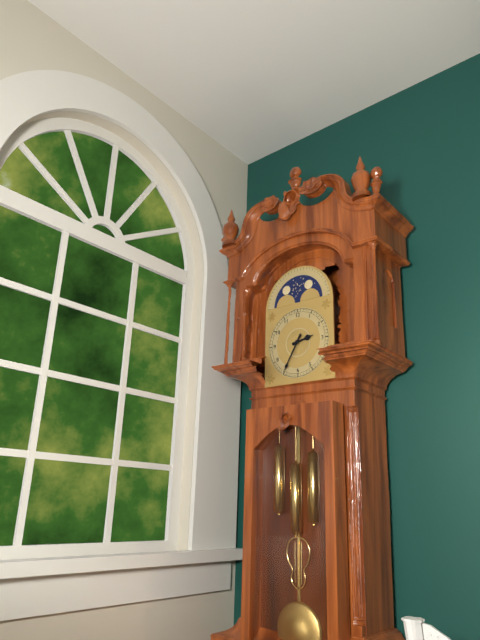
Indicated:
2.35
